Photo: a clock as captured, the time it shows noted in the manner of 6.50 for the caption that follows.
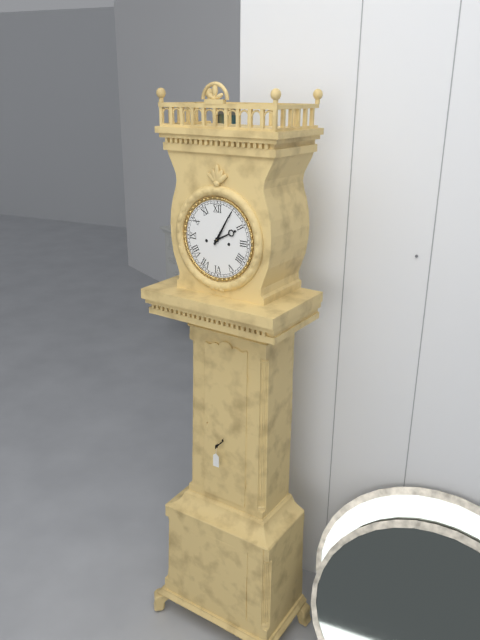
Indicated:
2.05
